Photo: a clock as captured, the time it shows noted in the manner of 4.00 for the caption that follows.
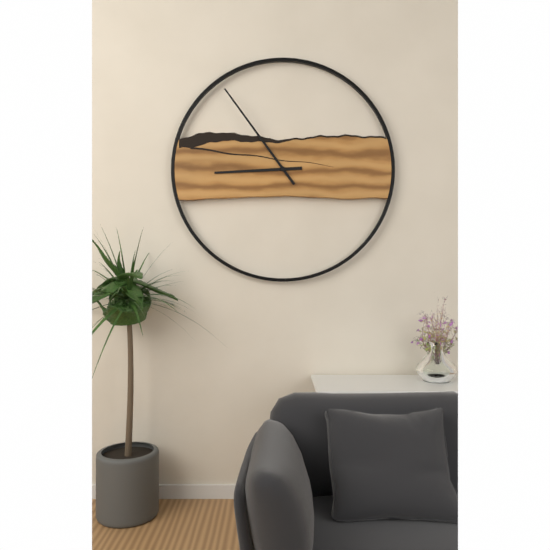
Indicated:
8.54
